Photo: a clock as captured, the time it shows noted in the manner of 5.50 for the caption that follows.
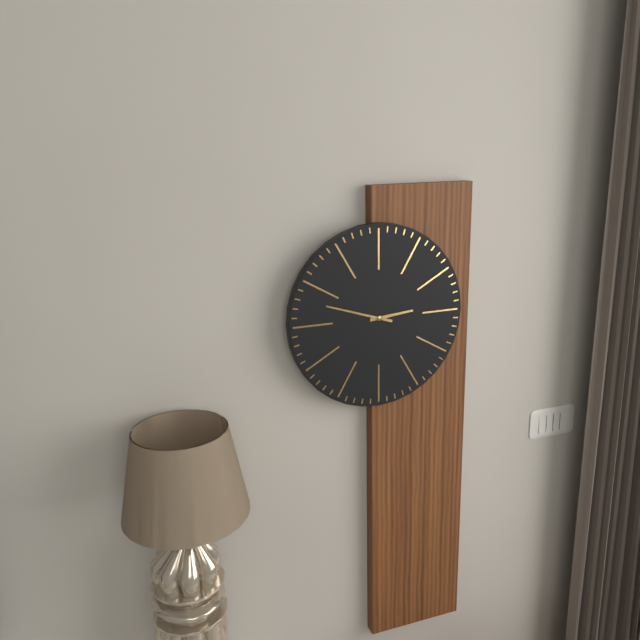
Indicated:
2.48
